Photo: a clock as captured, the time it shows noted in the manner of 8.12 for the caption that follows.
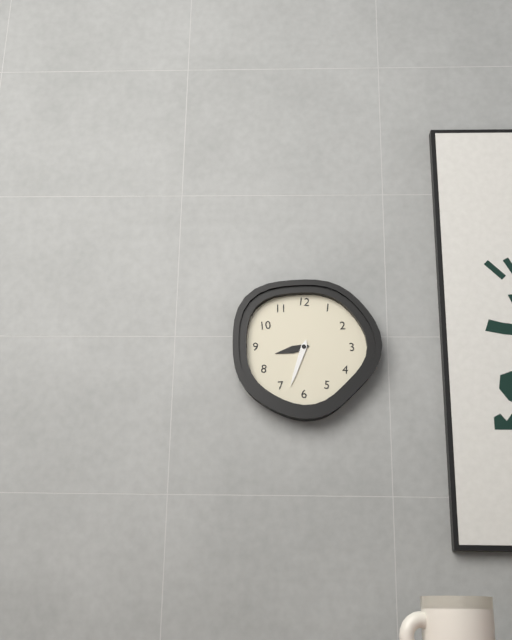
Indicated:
8.33
